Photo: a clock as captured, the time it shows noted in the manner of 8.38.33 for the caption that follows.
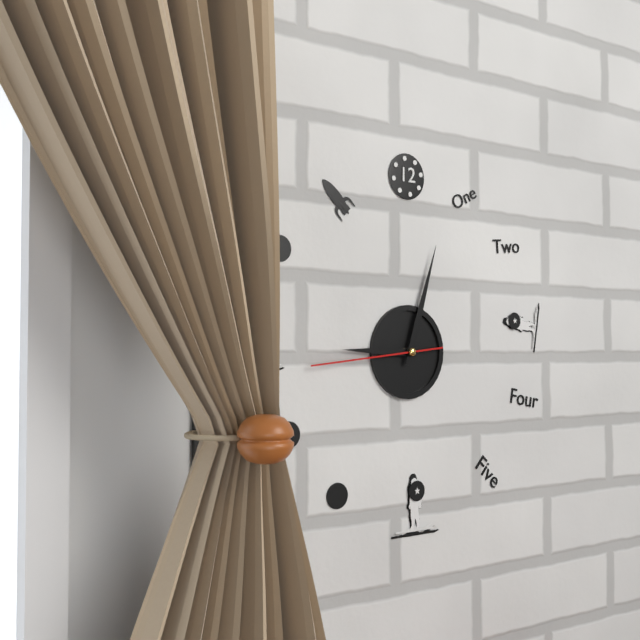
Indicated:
9.03.44
